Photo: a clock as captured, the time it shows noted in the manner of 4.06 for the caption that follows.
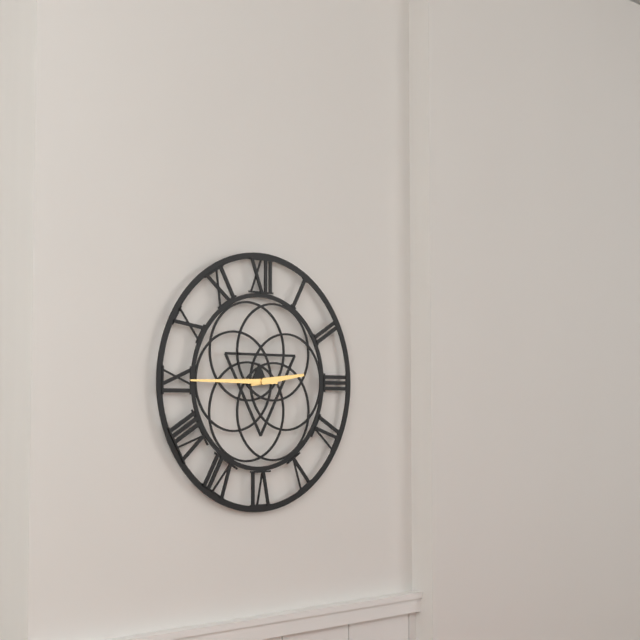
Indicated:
2.45
